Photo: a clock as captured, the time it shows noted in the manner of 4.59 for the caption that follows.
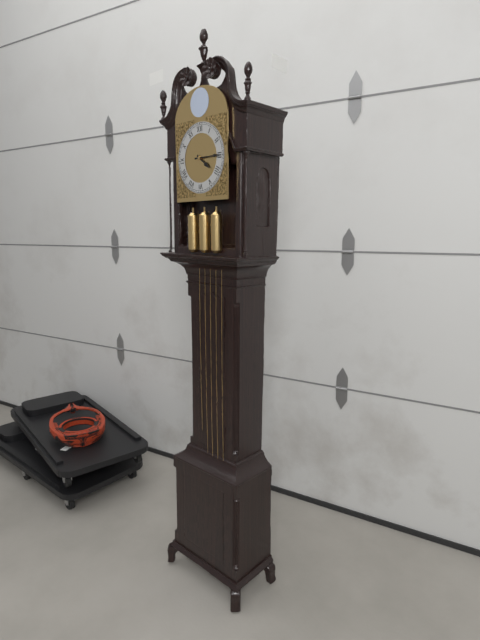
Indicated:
4.15
